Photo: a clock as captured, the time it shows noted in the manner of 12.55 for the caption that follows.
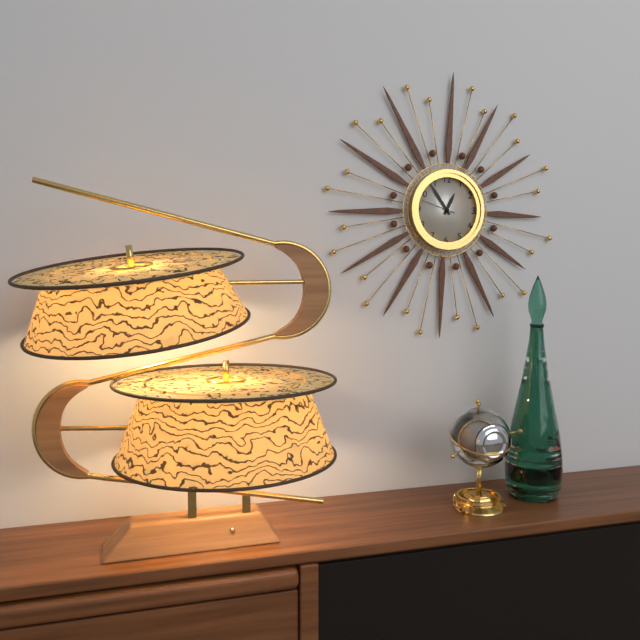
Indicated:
12.54
